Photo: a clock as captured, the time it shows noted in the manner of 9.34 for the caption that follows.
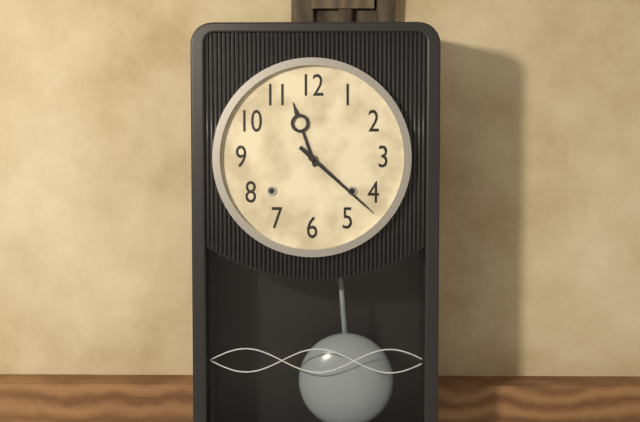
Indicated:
11.22
